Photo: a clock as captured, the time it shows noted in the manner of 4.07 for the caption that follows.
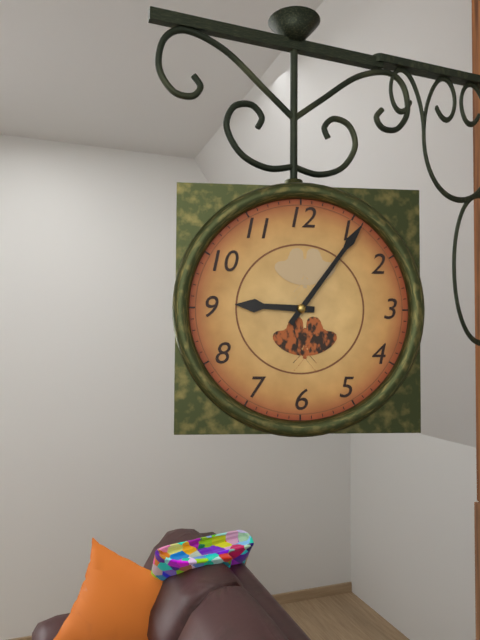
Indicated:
9.06
